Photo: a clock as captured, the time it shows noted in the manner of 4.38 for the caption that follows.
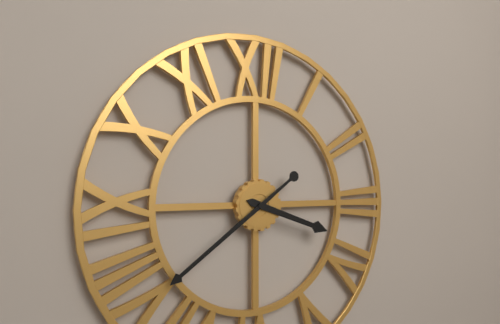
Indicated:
3.39
